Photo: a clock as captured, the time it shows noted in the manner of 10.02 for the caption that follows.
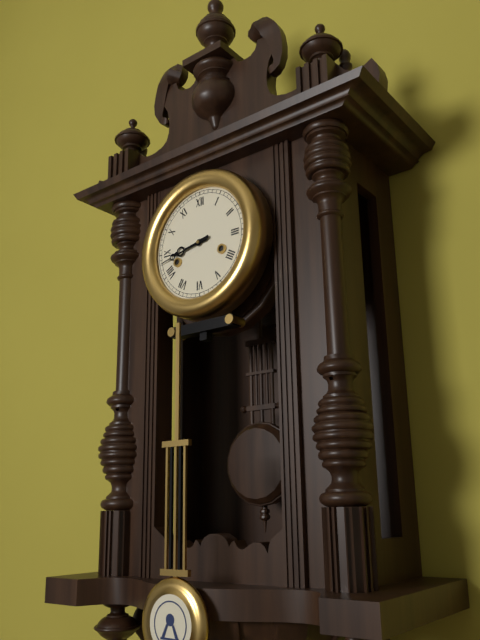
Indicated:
8.43
